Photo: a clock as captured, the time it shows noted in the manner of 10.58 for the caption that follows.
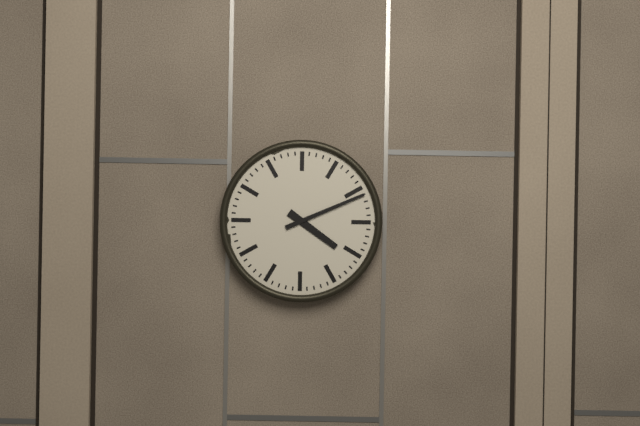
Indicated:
4.11
